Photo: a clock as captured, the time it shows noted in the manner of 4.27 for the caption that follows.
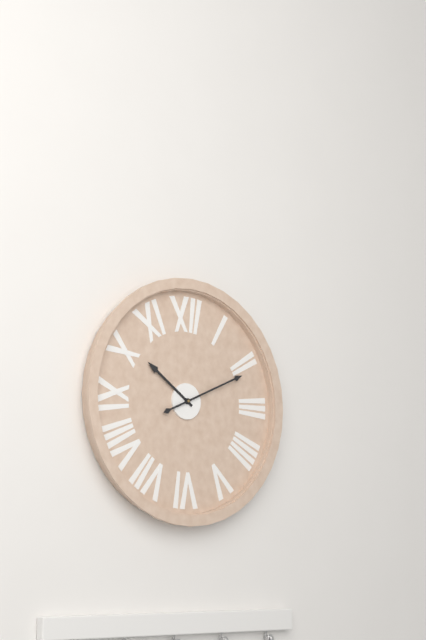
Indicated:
10.11
